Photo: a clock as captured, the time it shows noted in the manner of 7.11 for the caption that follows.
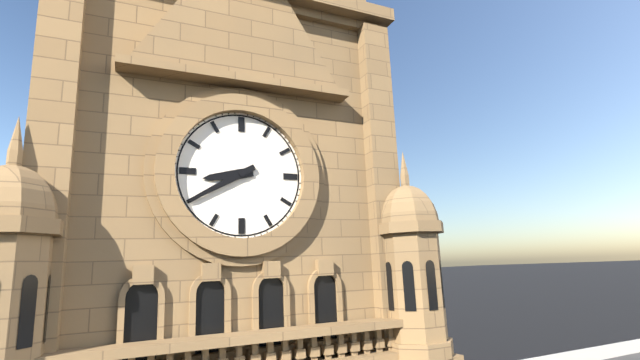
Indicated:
8.40
